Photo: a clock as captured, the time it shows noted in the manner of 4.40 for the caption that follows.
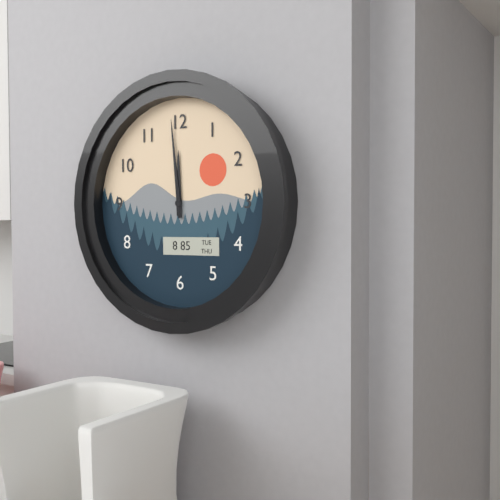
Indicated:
11.59
